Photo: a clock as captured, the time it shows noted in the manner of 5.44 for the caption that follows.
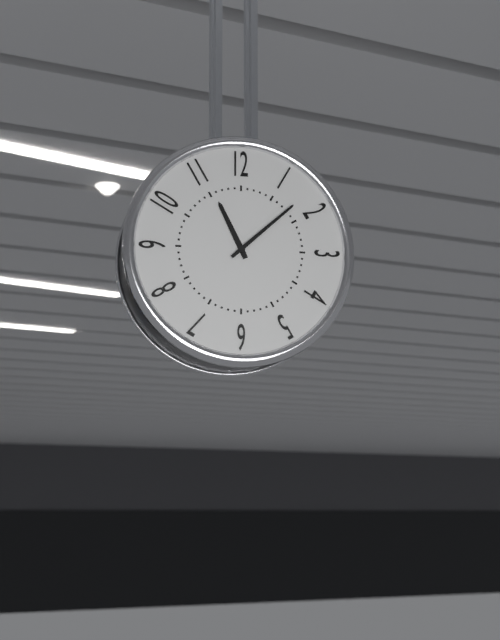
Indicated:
11.08
